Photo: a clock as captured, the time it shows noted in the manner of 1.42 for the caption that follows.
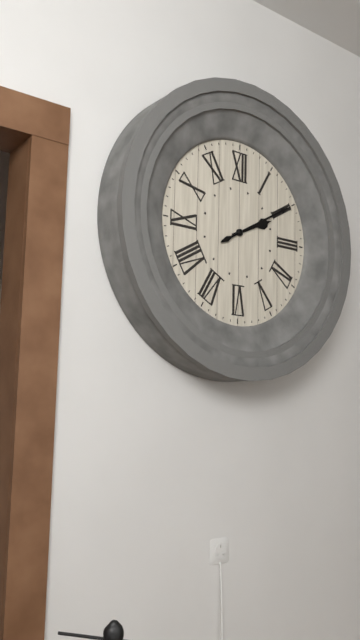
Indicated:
2.10
